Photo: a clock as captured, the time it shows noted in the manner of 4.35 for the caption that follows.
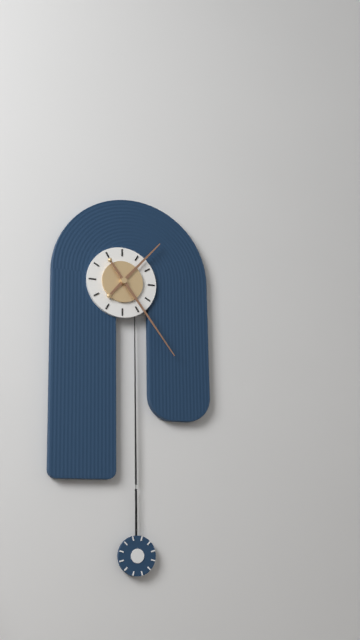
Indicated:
1.24
